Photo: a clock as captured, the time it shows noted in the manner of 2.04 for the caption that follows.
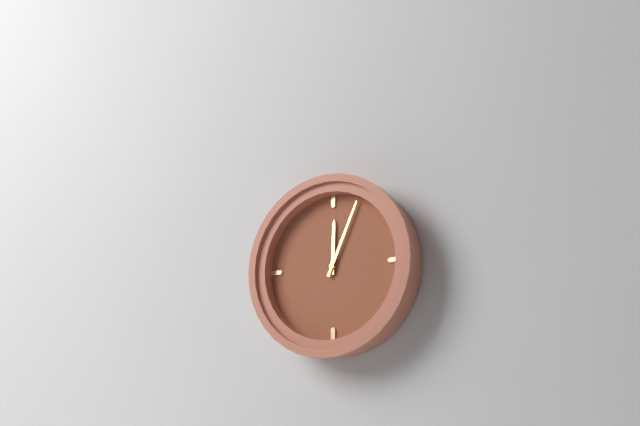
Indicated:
12.04
